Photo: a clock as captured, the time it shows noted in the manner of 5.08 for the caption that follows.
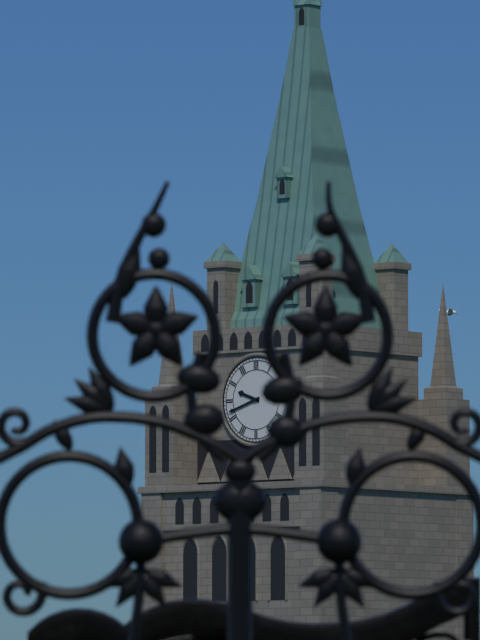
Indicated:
9.42
